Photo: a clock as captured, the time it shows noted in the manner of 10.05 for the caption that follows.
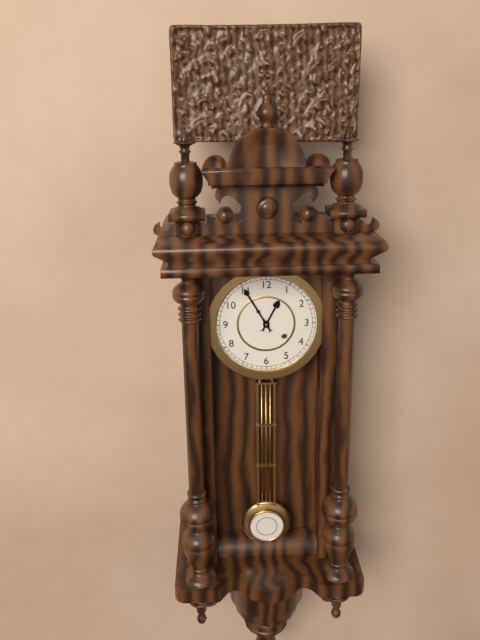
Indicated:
12.55
